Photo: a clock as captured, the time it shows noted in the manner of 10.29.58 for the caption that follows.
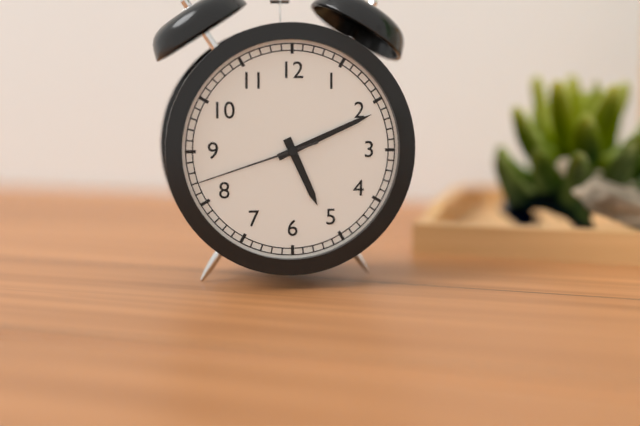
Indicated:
5.11.42
